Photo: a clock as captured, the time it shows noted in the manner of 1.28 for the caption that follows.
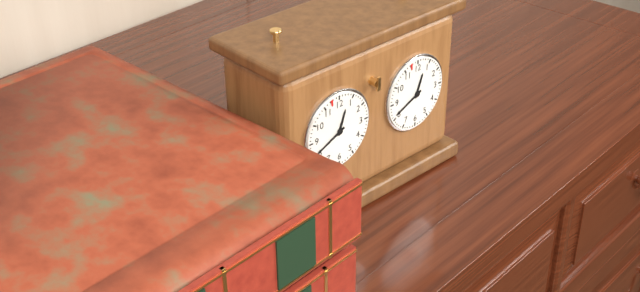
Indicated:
12.41
